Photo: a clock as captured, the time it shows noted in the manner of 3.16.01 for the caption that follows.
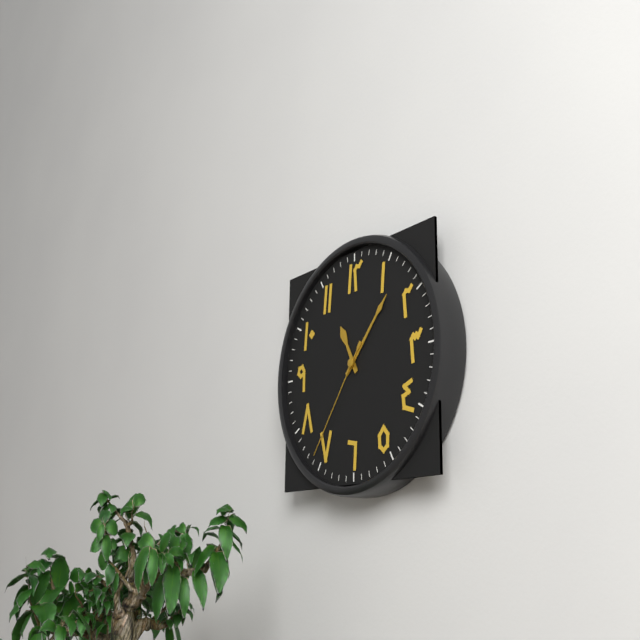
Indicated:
11.07.36
